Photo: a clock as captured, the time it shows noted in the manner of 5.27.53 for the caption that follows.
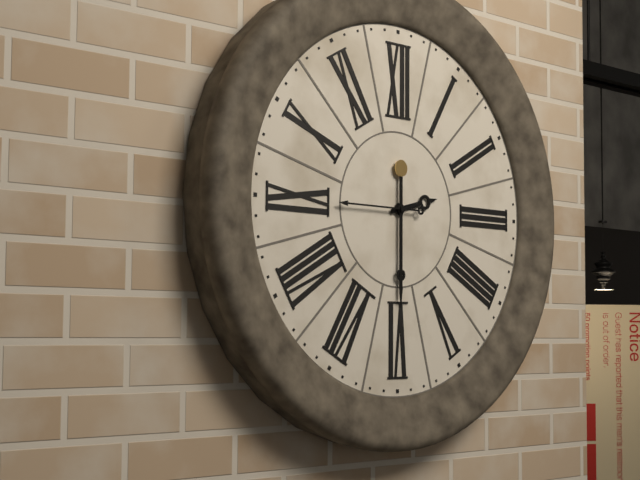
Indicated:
2.30.45
